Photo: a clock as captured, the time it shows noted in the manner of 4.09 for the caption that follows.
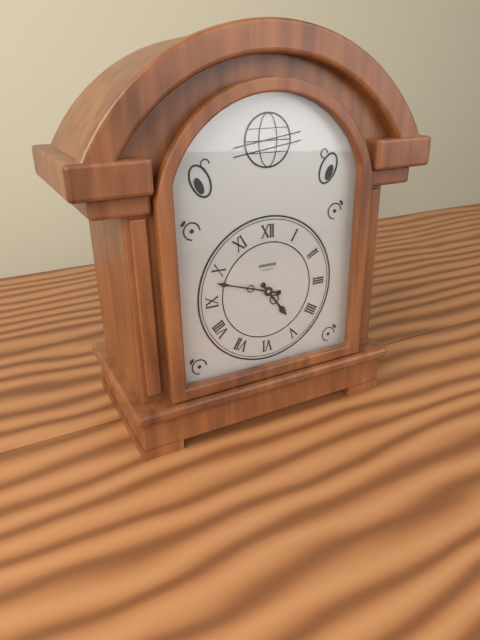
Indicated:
4.48
